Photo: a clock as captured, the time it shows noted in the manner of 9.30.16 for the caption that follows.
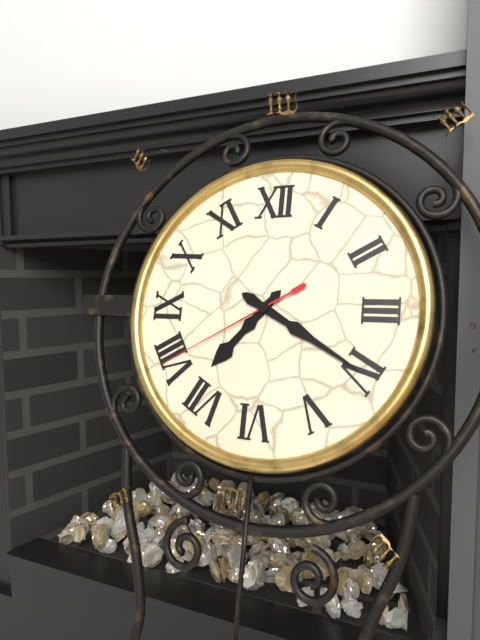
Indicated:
7.20.40
